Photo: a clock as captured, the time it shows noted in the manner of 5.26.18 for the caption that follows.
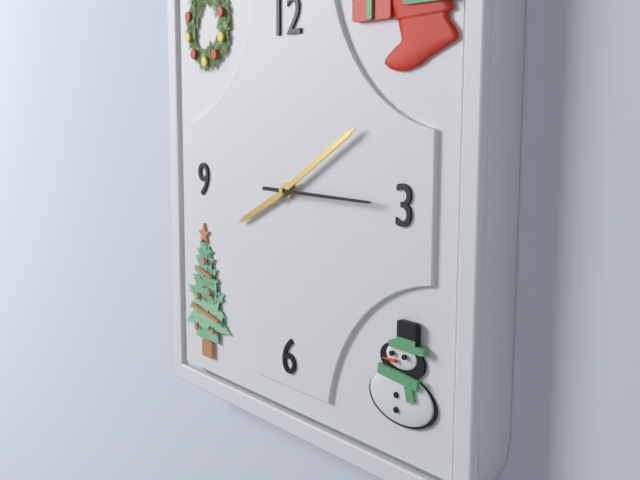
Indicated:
8.10.15
